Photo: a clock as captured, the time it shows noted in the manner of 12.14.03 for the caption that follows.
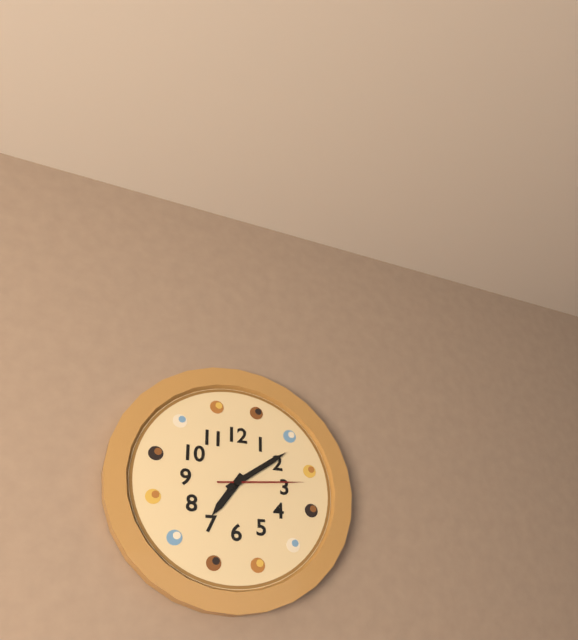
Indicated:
7.09.14
